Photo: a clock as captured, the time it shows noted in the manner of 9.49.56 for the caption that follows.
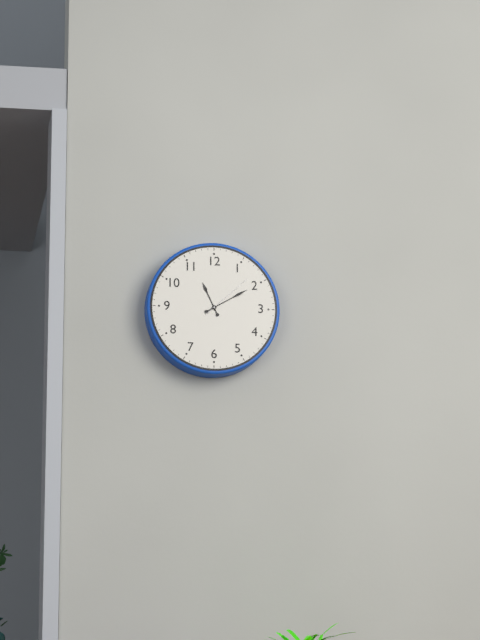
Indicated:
11.10.08
